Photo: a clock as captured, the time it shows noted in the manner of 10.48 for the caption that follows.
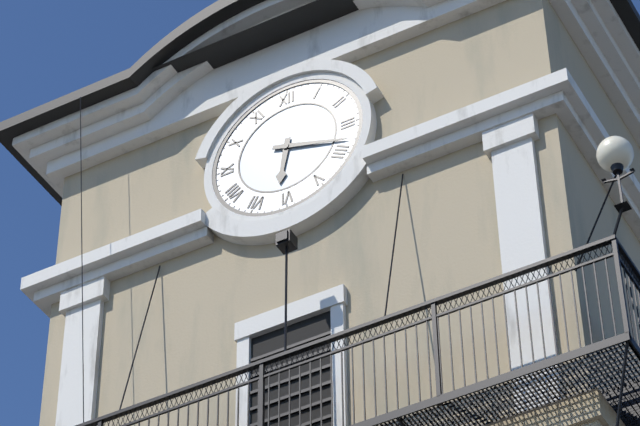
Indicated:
6.18
